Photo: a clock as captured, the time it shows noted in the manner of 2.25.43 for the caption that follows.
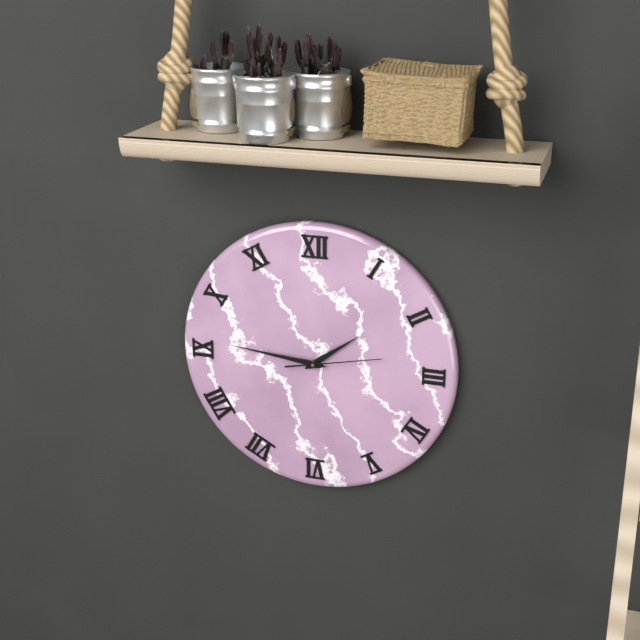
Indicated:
1.46.13
